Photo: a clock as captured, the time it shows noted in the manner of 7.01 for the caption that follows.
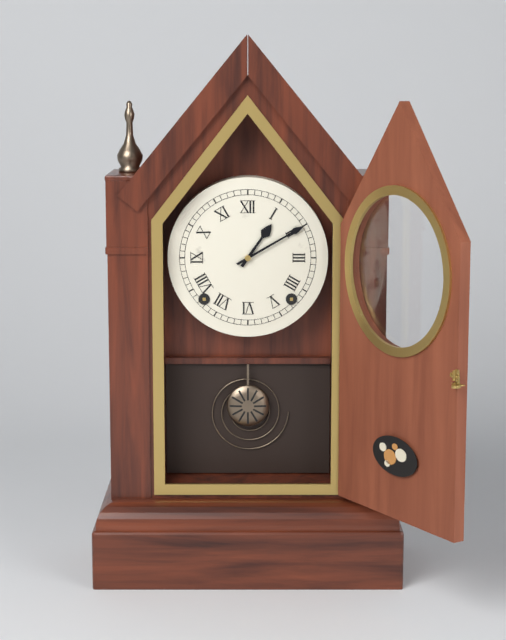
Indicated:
1.10
